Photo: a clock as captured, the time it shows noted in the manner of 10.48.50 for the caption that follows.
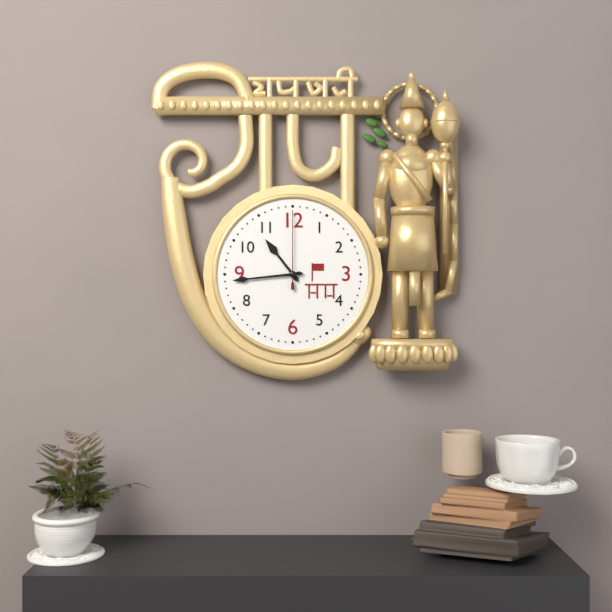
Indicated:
10.44.00
